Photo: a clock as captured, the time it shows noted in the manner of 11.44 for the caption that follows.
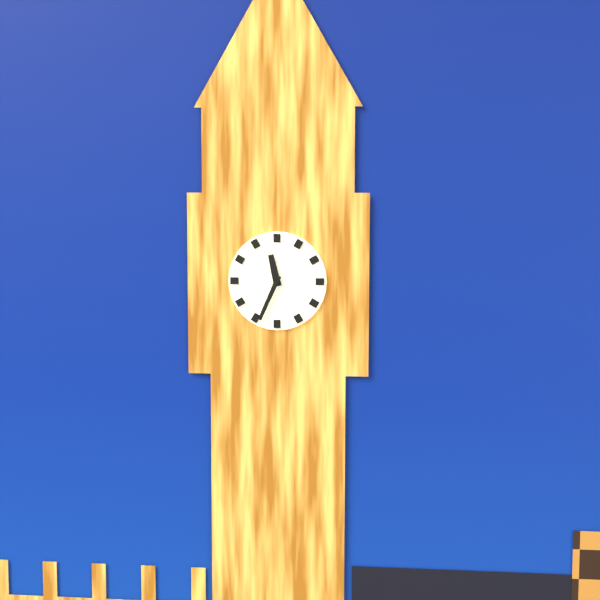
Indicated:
11.34
